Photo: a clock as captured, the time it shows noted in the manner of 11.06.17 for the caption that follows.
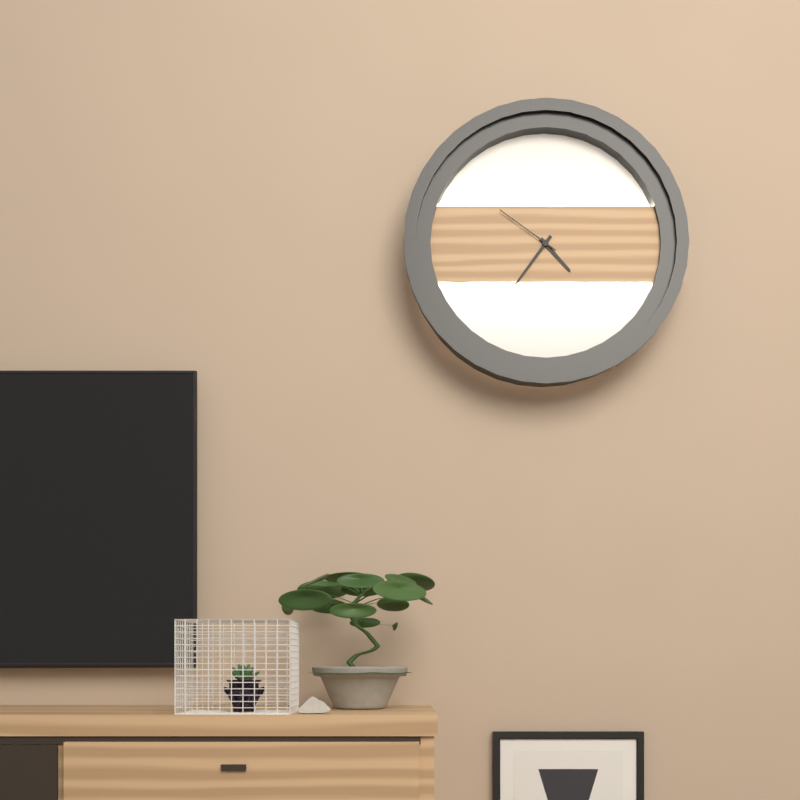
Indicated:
4.36.51
